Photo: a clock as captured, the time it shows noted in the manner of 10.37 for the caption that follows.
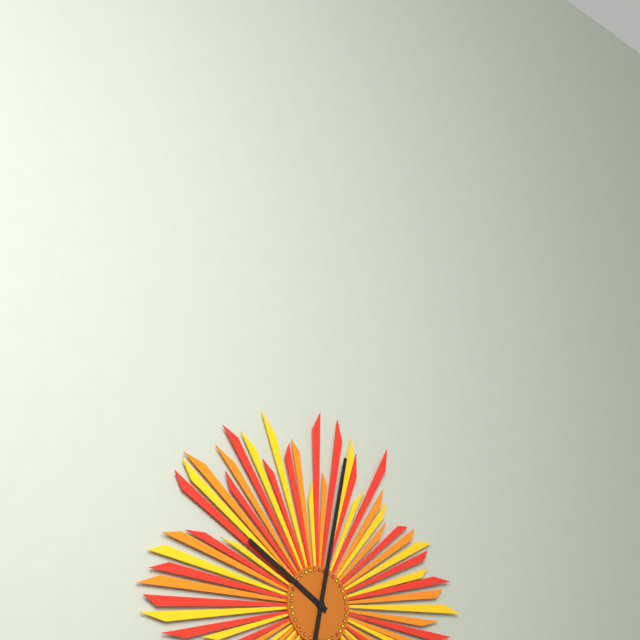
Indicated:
10.02
